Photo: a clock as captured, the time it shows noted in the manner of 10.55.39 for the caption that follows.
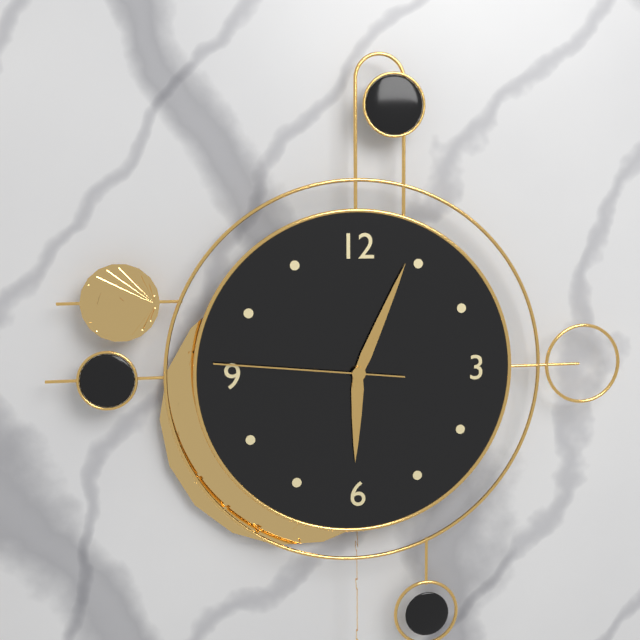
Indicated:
6.04.46
